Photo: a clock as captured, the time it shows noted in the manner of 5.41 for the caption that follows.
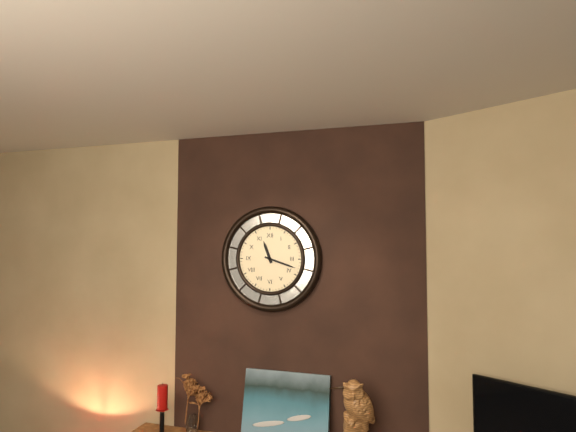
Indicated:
11.18
